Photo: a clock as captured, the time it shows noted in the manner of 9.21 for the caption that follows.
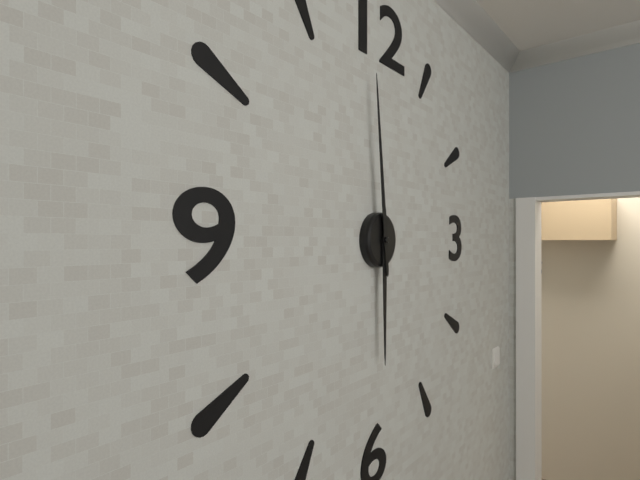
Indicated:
5.59
